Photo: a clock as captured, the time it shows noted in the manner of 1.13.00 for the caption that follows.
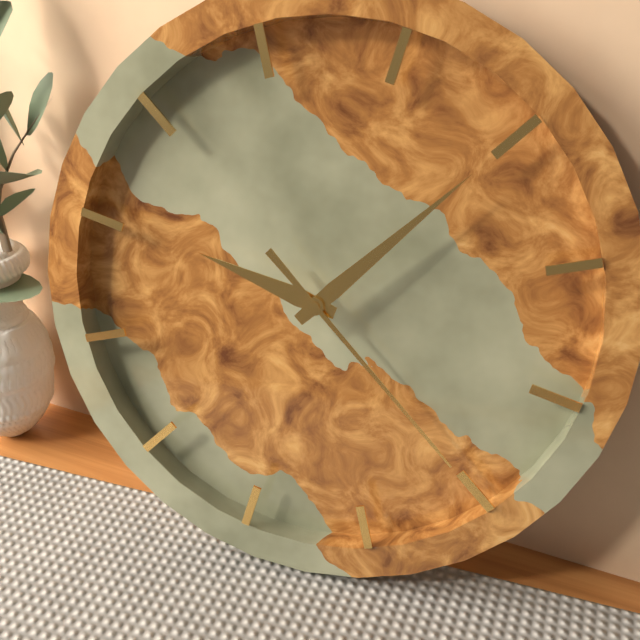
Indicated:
9.05.20
